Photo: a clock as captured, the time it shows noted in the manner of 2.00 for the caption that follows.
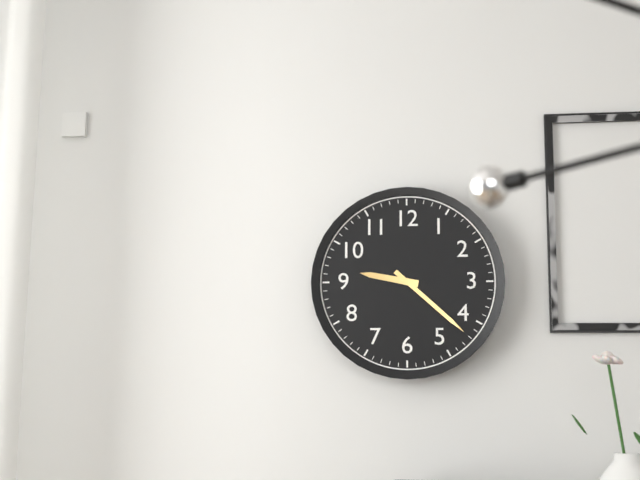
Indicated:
9.22
